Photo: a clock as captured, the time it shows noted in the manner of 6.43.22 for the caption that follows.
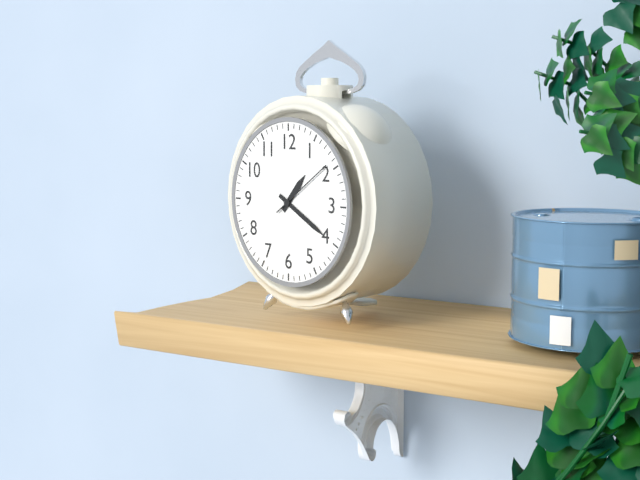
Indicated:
1.20.09
